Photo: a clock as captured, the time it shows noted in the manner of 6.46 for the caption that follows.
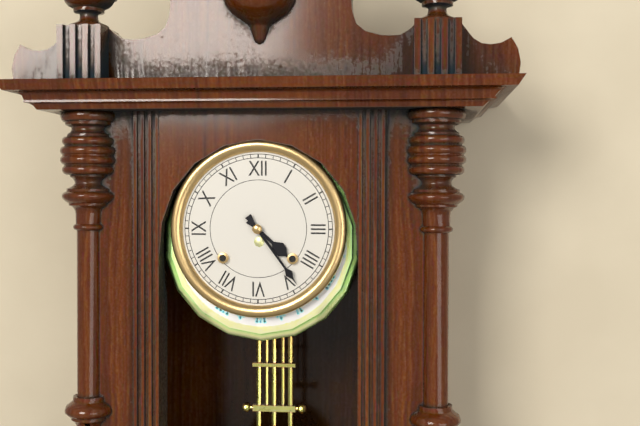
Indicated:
4.24
